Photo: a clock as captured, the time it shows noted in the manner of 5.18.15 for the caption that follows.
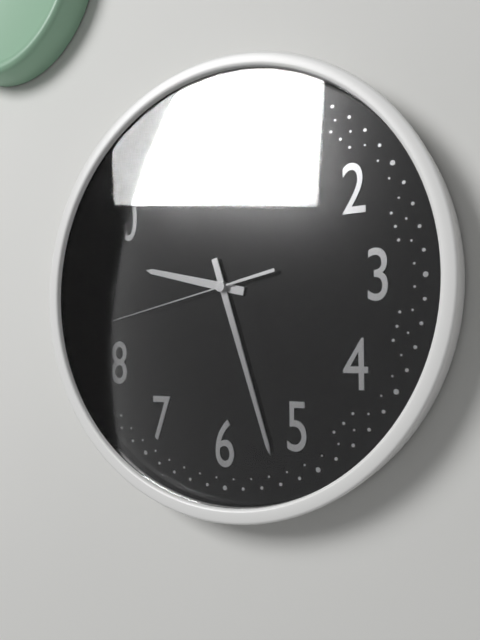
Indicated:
9.27.43
